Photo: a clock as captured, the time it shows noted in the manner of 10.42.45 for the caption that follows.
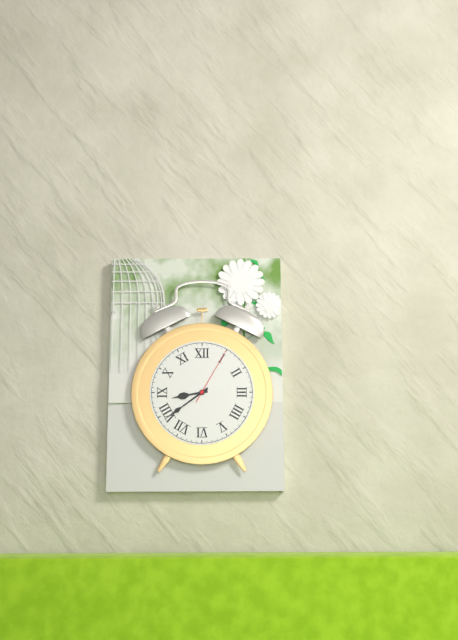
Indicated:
8.39.05
